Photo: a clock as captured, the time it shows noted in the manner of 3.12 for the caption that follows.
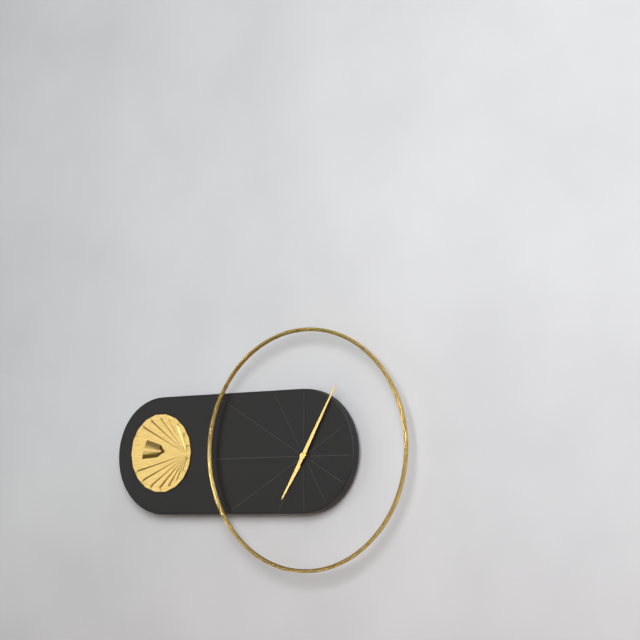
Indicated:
7.05
